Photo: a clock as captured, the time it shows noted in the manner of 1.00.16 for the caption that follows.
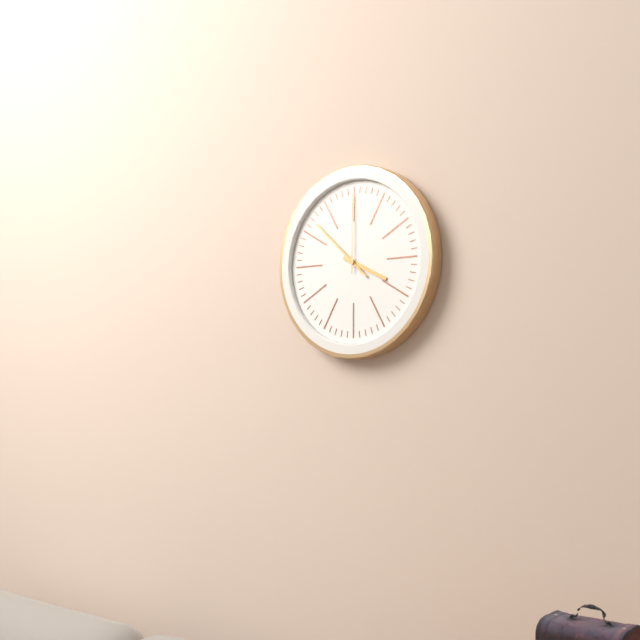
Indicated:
3.52.00
